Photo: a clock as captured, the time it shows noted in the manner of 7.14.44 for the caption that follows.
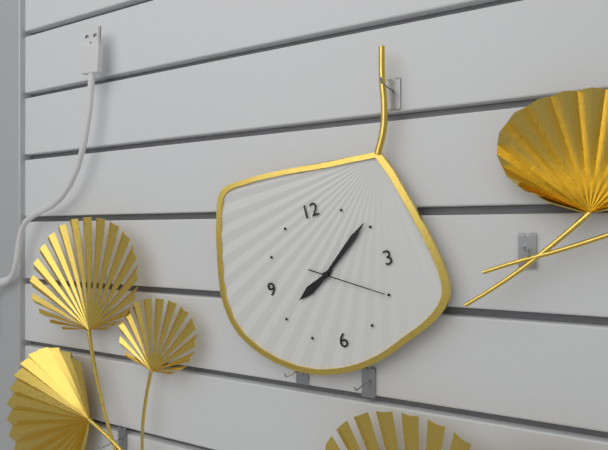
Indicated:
8.09.20
